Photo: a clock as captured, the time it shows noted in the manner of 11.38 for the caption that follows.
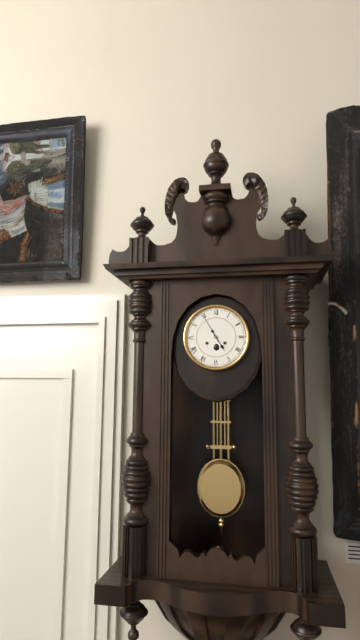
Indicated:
4.55
